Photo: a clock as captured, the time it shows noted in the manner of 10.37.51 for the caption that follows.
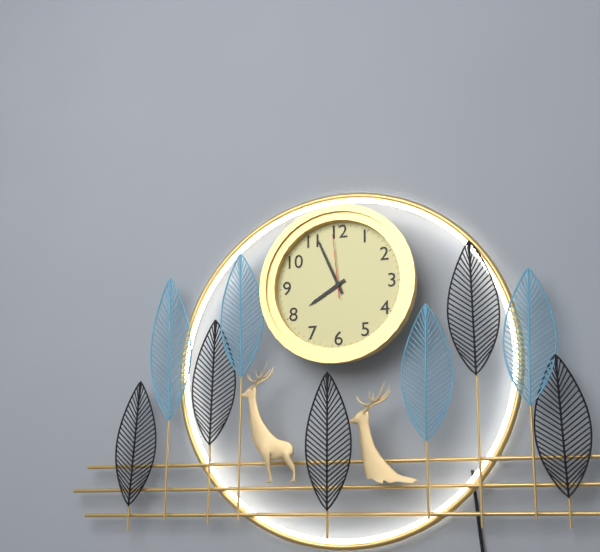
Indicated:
7.56.59
